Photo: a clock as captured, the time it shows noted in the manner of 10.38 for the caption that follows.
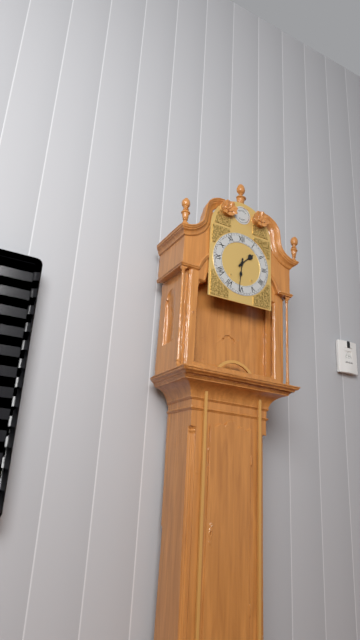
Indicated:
1.31
